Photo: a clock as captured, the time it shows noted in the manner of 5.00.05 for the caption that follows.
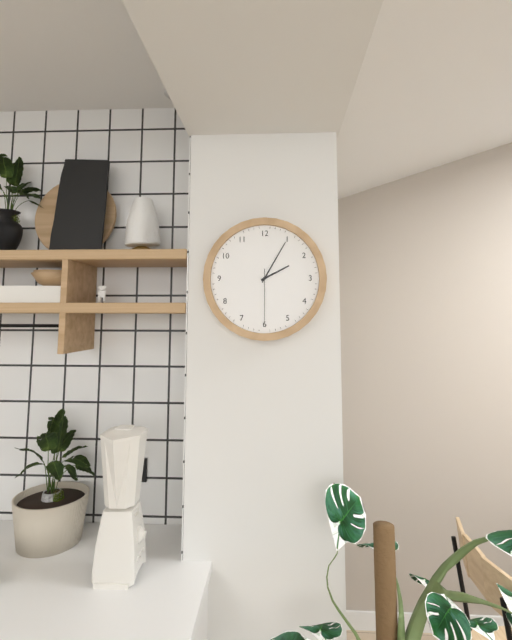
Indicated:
2.05.30
